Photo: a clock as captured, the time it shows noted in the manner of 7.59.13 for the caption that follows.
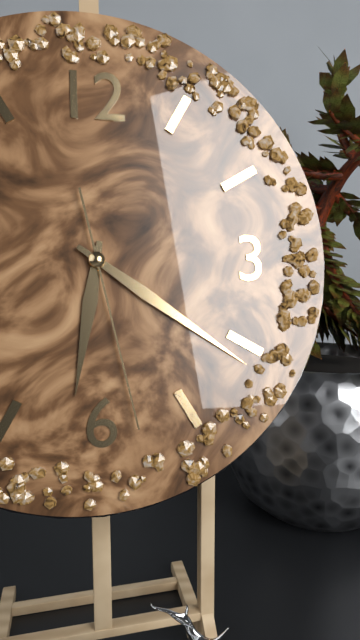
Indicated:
6.21.28
